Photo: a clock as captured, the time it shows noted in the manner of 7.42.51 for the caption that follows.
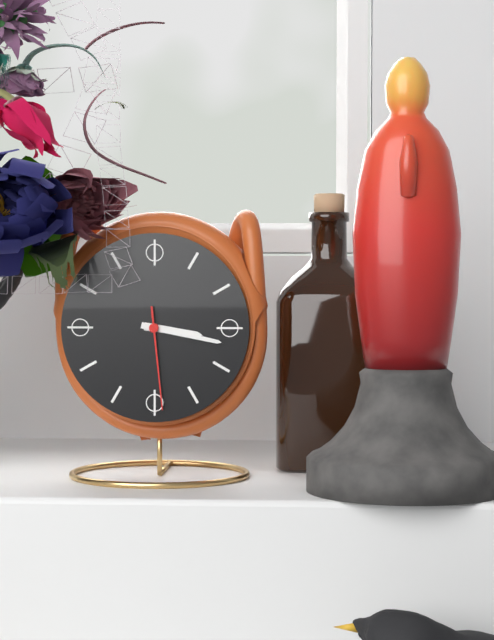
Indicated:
3.17.29
